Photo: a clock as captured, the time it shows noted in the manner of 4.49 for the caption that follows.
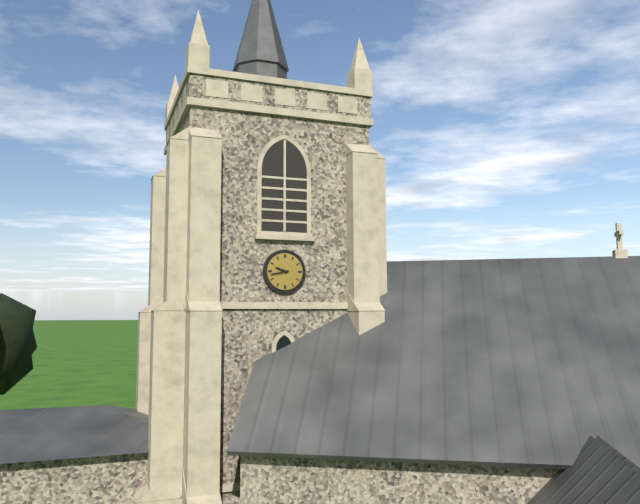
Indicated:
9.43
